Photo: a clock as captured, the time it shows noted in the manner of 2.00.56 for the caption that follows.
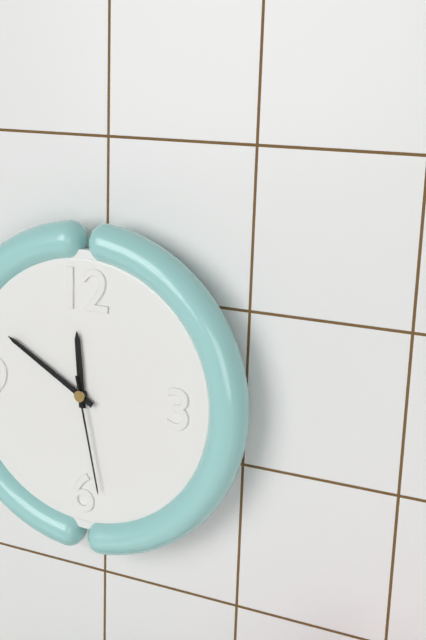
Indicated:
11.50.28
